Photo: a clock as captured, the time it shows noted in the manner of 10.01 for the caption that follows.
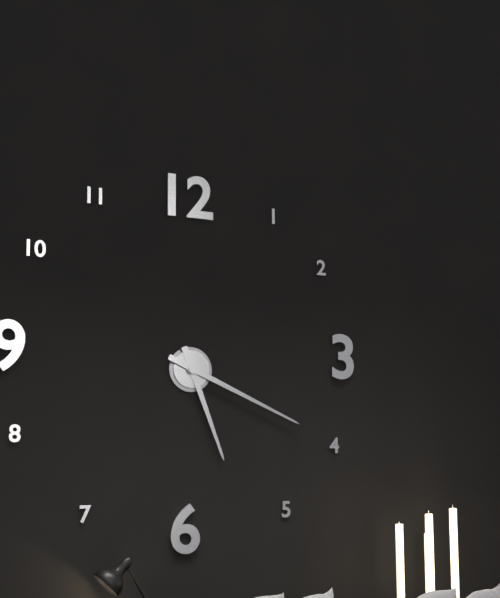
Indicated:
5.19
